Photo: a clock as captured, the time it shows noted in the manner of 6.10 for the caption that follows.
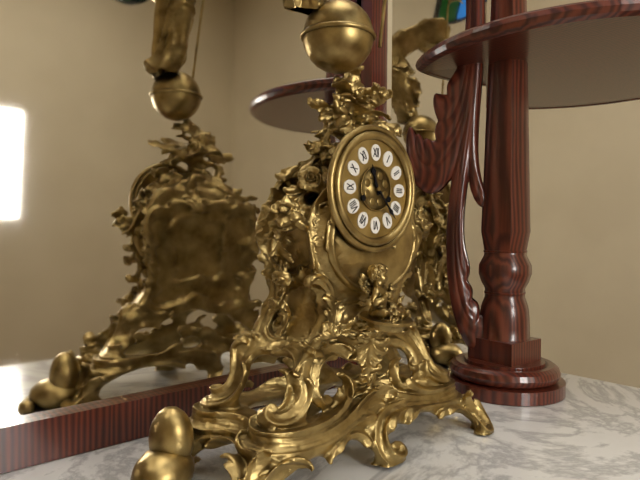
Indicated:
11.23
